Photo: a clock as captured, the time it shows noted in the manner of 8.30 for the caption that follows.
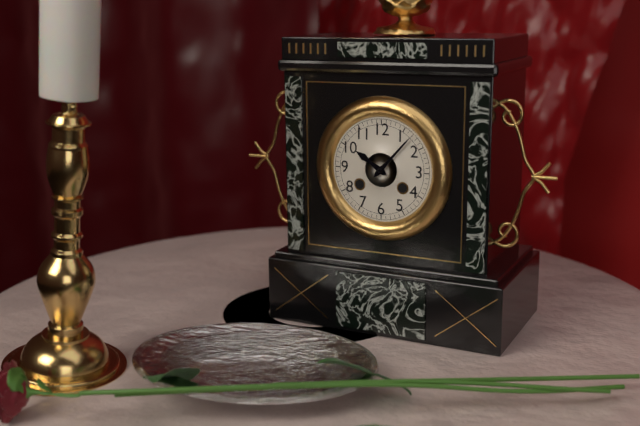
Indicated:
10.07
